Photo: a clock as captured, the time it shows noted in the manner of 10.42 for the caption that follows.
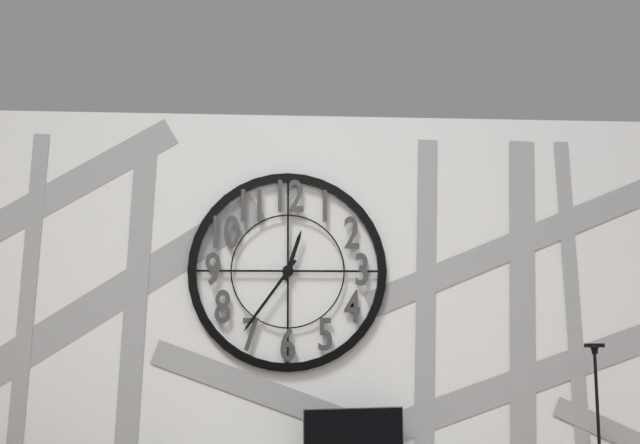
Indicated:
12.36
